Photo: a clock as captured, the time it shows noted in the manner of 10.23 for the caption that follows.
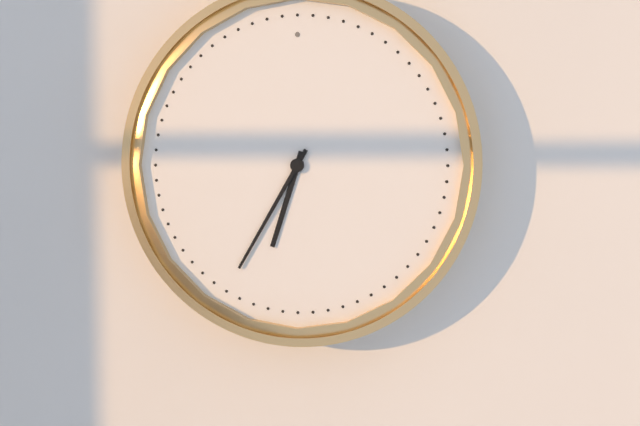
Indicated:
6.35
